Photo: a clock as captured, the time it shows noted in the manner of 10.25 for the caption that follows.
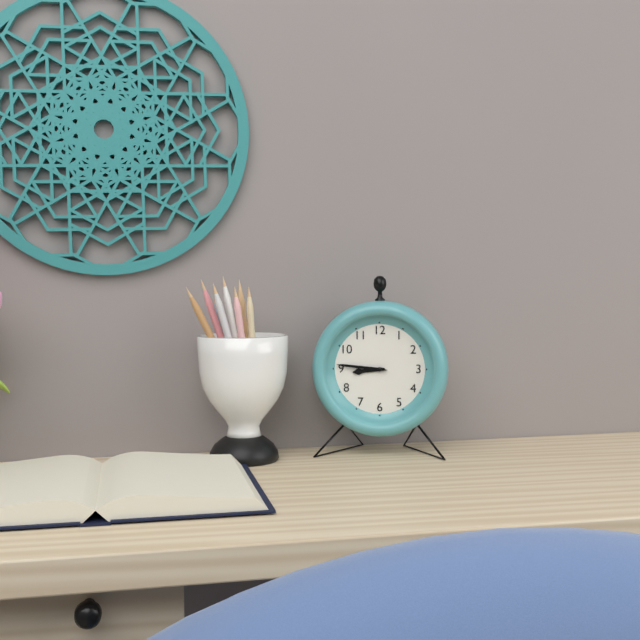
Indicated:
8.46
